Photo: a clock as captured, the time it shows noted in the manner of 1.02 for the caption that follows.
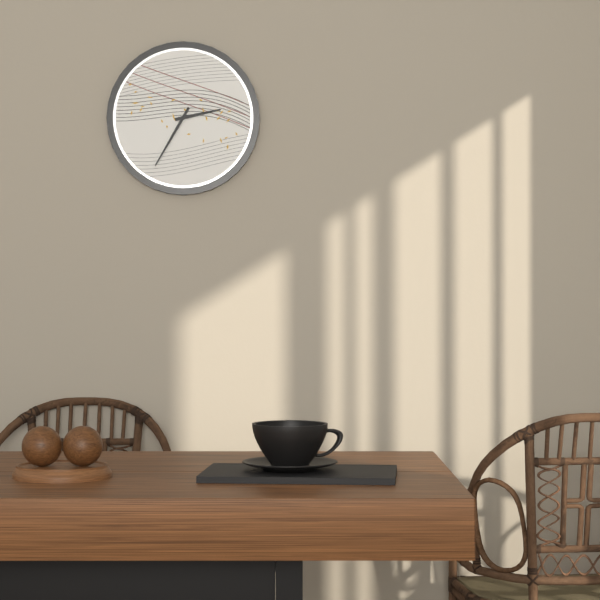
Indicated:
2.35
